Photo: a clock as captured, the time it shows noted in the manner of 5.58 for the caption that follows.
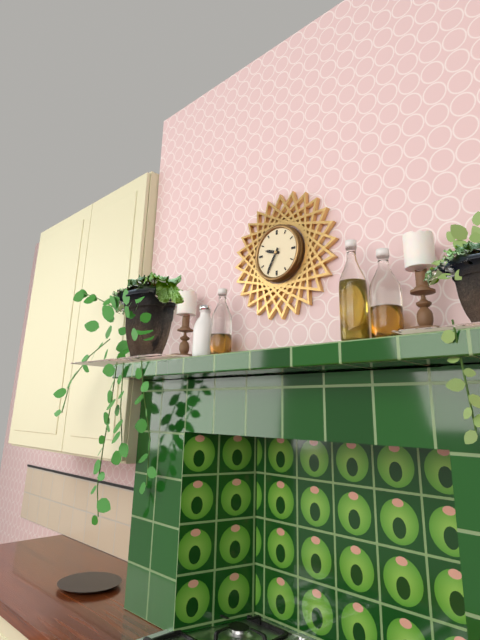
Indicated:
9.35
